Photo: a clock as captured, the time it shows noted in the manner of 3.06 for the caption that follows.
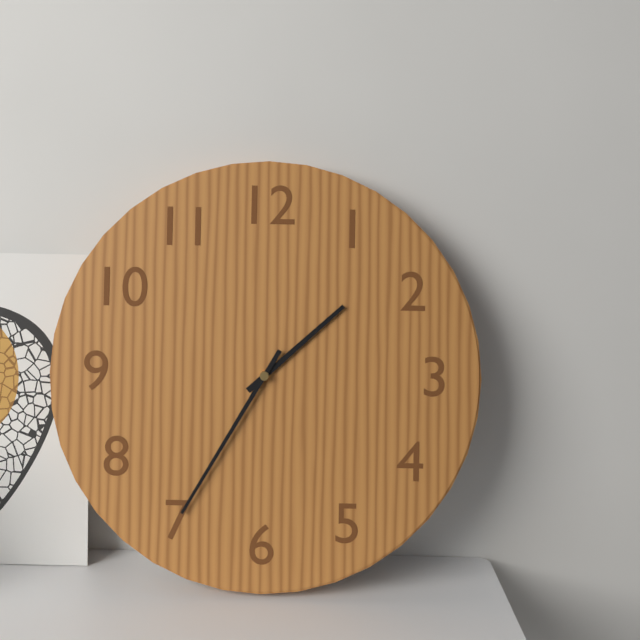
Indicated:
1.35
